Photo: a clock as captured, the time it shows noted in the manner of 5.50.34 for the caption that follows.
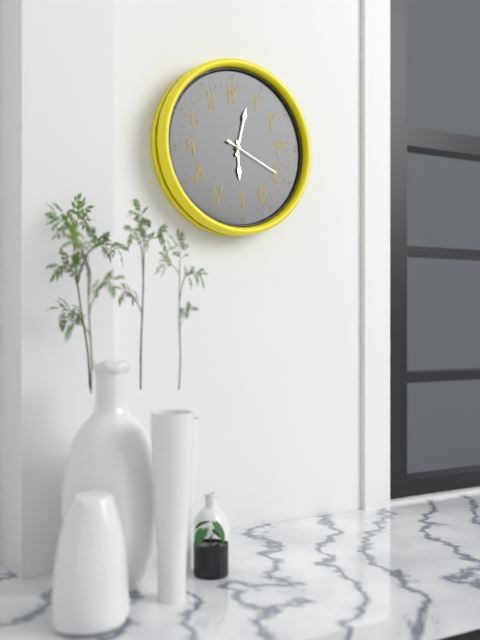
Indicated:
6.03.20
